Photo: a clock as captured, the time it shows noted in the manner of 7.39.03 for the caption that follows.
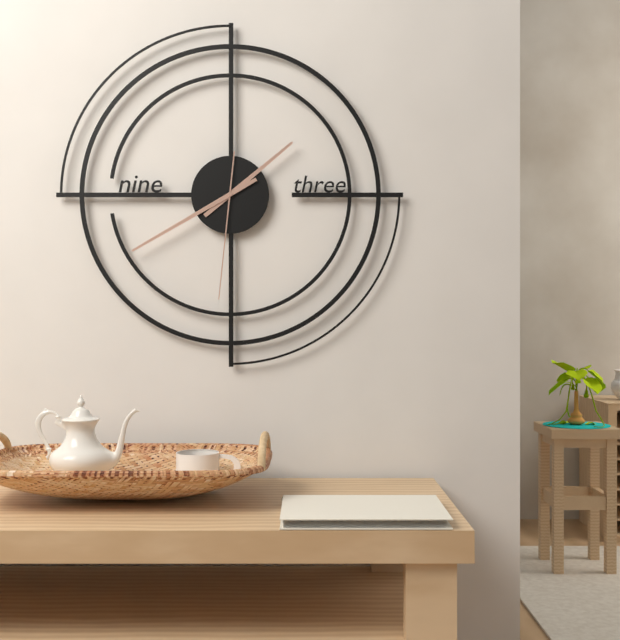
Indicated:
1.40.31
